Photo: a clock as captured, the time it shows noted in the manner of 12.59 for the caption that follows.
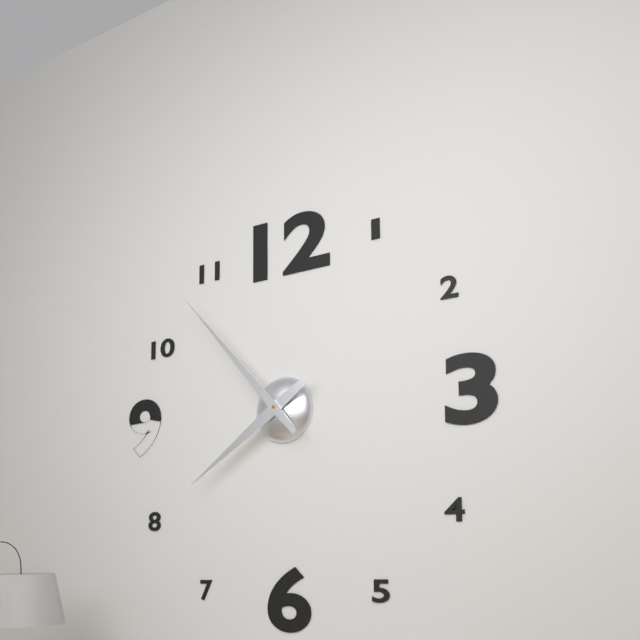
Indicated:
7.53
